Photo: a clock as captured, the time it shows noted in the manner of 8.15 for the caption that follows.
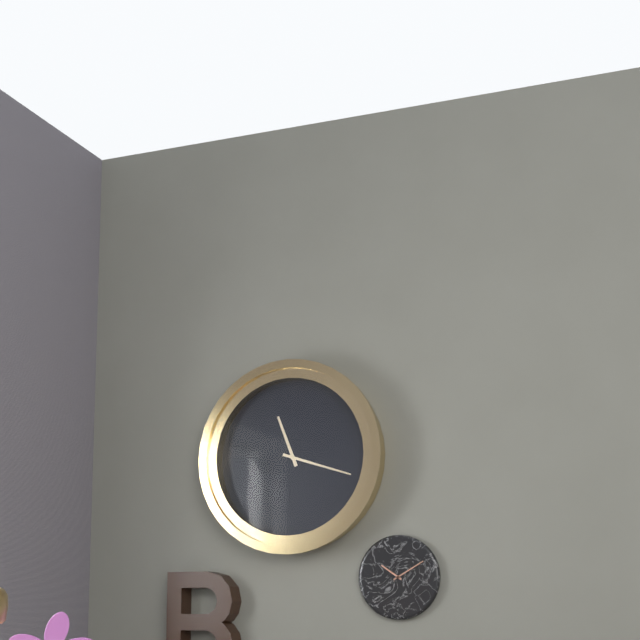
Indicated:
11.18
